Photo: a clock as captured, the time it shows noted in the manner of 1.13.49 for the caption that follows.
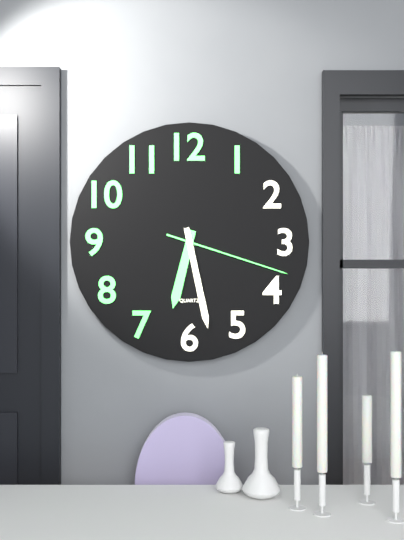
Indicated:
6.28.18
